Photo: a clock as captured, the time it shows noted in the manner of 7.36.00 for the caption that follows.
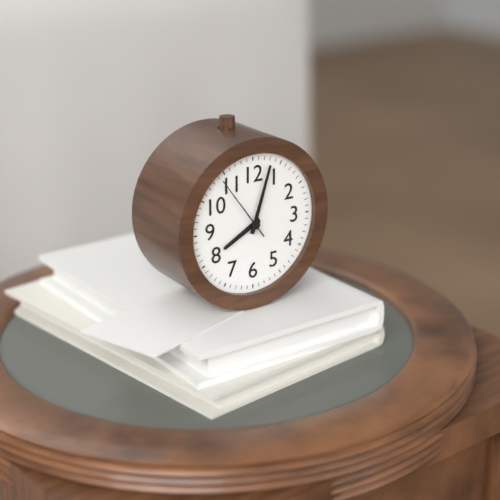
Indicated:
8.03.54
